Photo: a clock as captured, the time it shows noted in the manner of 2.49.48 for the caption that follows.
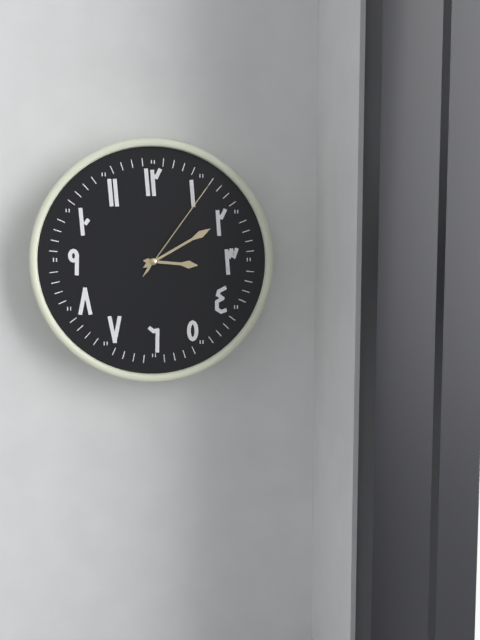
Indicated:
3.10.06
